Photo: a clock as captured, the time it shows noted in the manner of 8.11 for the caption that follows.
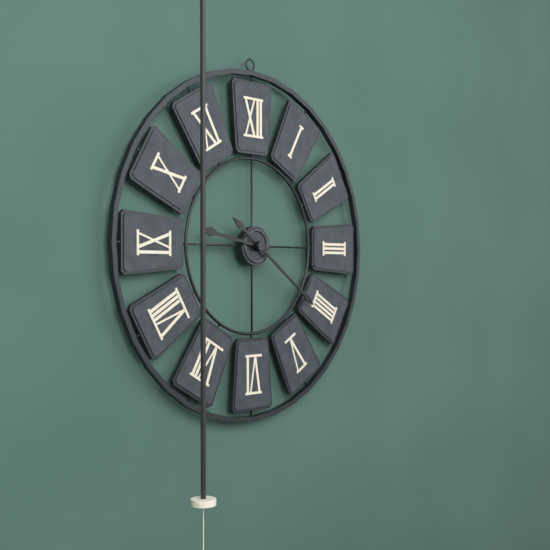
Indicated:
9.21
